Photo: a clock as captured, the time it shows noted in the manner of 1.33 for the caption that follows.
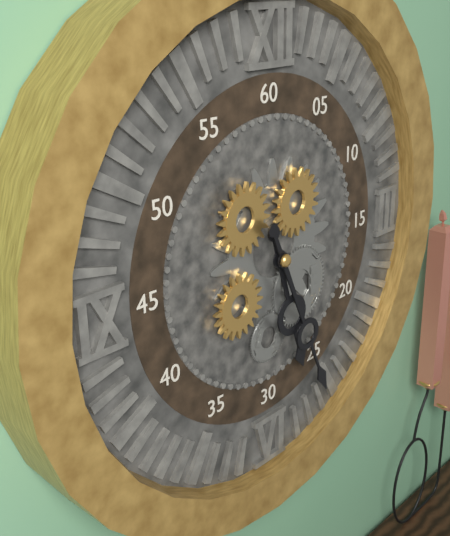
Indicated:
5.26
